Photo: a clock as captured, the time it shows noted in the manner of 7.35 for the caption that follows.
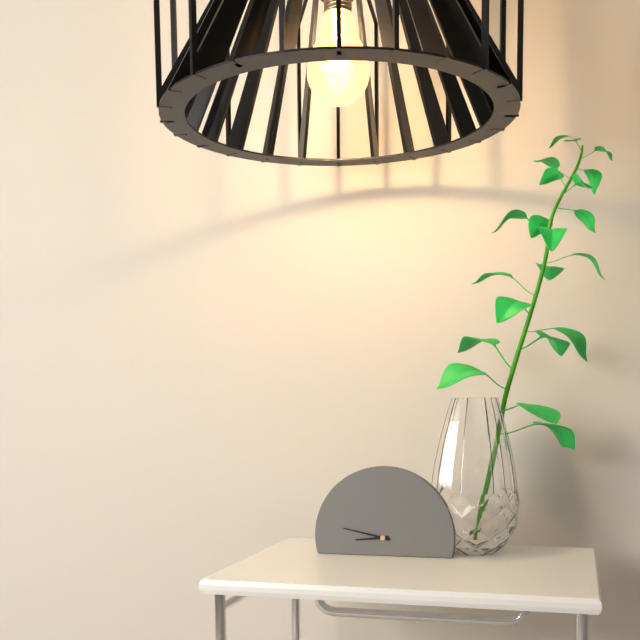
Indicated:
8.47
